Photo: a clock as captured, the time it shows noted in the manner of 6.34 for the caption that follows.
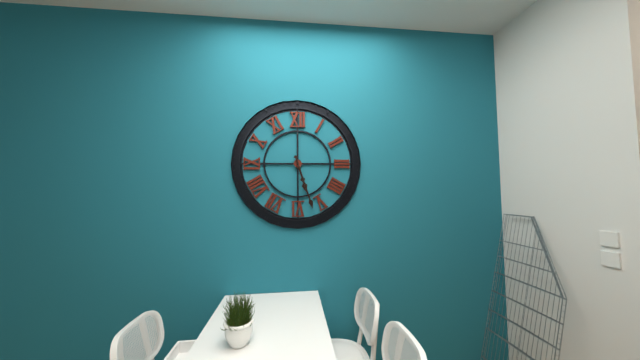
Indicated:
5.27
